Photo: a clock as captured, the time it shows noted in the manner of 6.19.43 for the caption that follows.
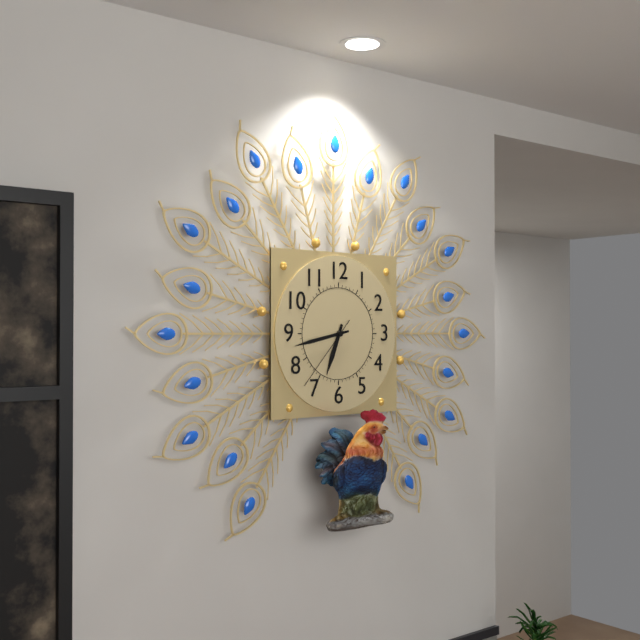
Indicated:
6.43.37
